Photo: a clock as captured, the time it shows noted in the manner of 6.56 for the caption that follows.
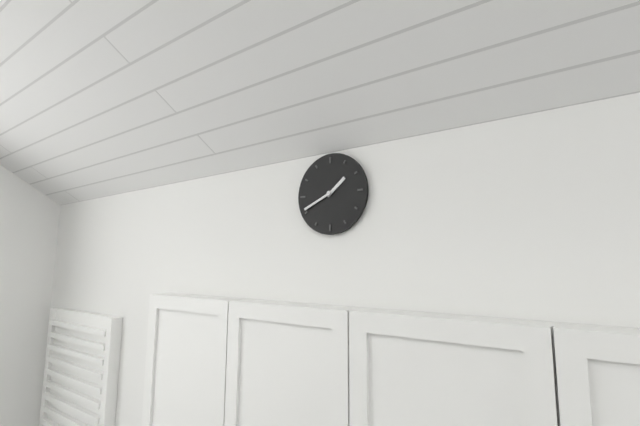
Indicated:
1.41
